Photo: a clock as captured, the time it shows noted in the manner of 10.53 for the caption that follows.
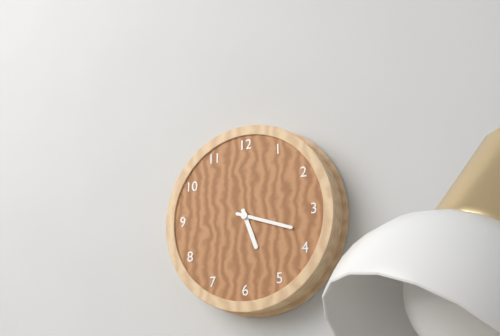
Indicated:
5.18
